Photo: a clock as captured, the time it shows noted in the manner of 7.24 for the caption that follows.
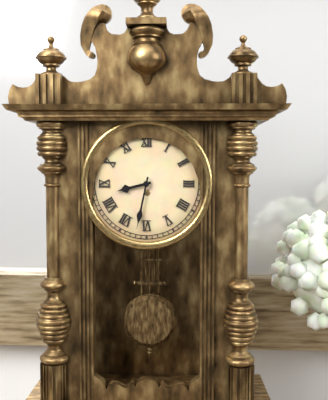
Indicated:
8.32
